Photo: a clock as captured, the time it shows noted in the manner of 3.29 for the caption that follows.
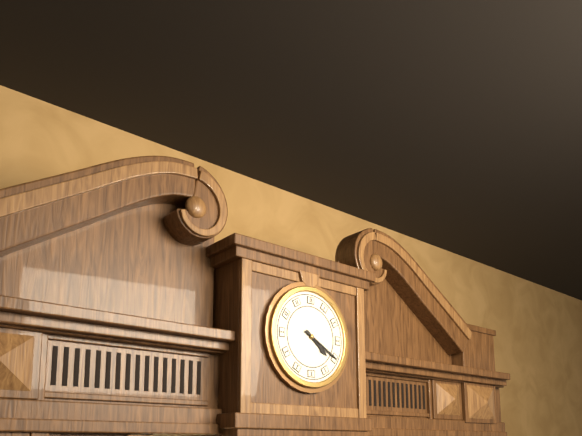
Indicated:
4.20
